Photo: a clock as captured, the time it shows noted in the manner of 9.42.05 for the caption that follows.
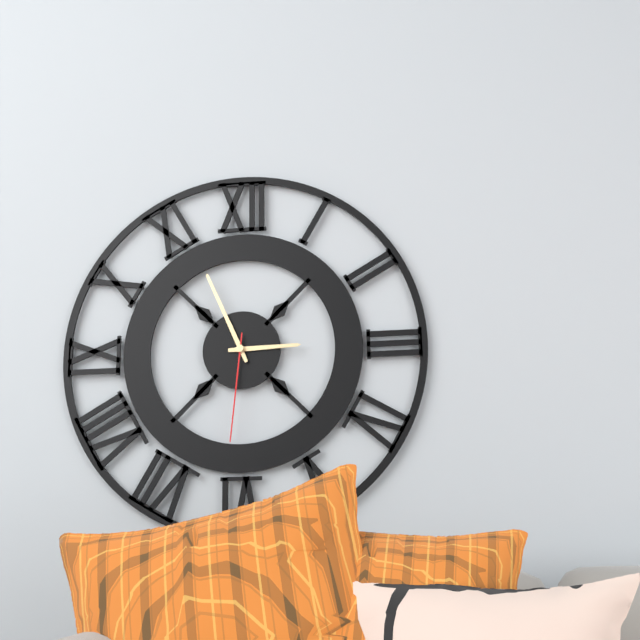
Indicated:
2.56.31
